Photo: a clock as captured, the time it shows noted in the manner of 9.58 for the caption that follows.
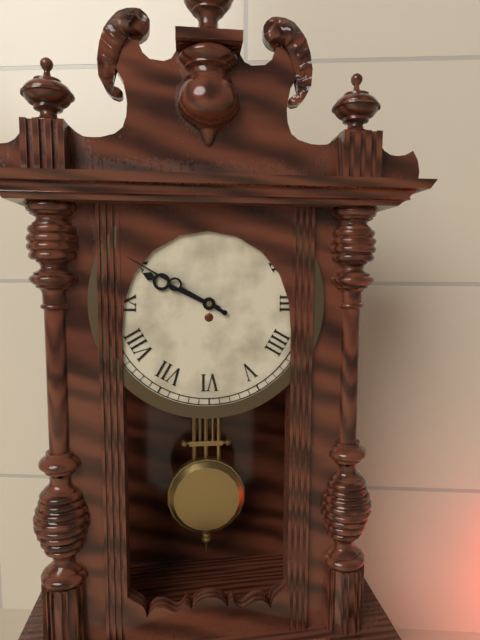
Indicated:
9.50
